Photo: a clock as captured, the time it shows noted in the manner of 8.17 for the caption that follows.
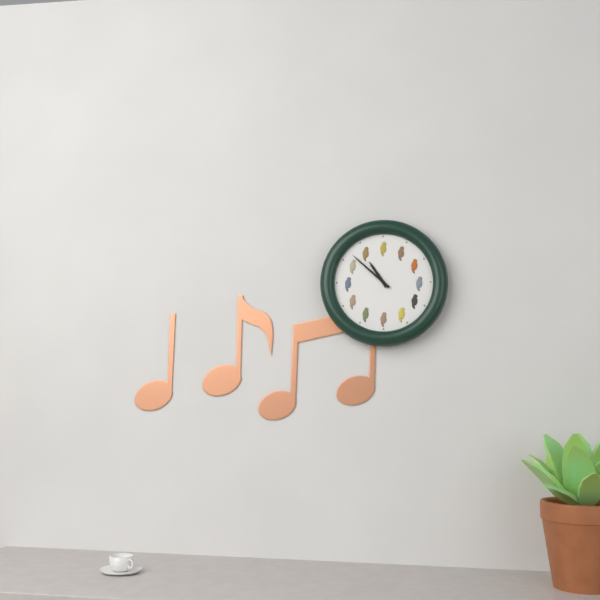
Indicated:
10.52
